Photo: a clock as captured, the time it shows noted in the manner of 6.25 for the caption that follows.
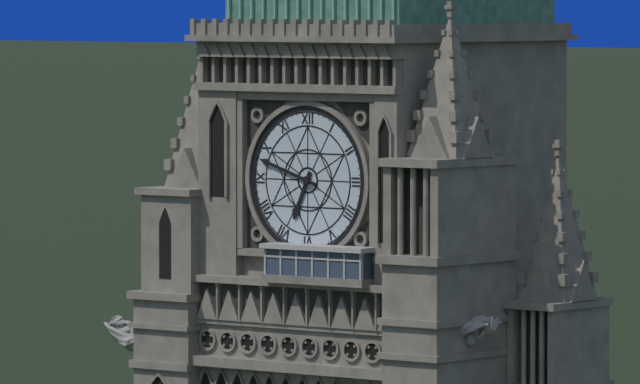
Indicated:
6.48
